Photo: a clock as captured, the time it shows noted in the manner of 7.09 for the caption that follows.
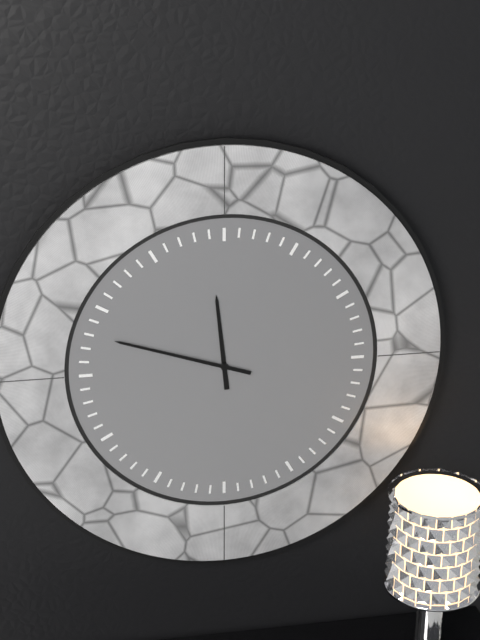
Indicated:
11.48
